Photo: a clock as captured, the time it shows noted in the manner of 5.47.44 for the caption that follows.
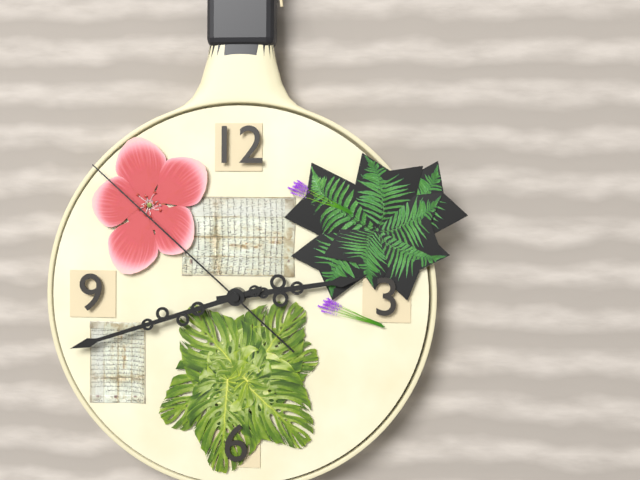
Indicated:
2.42.52
